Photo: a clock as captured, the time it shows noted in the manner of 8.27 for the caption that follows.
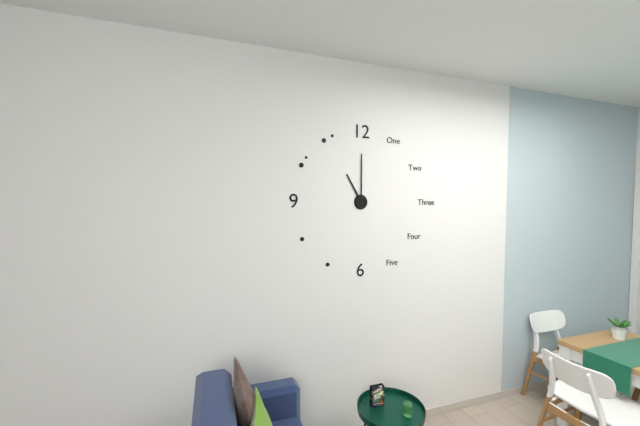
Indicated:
11.00
